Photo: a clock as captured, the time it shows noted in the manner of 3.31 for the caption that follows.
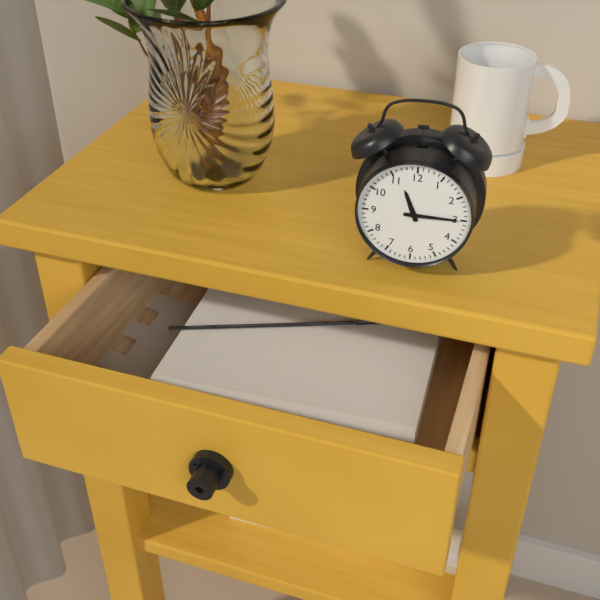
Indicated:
11.15
